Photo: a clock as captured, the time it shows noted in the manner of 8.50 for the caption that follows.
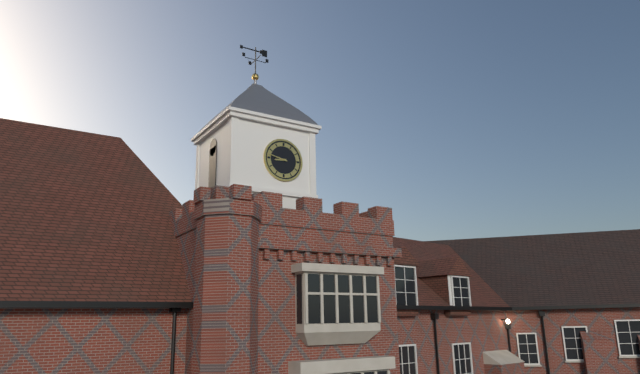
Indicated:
8.47
